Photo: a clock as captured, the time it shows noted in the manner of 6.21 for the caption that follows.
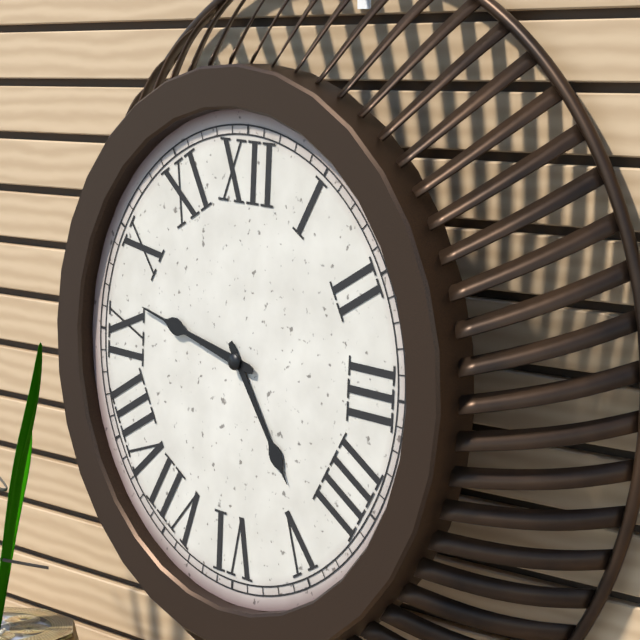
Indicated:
4.47
